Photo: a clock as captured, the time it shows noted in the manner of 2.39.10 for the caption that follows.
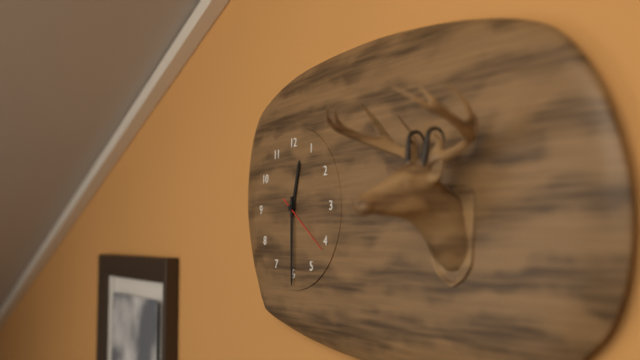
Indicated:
12.30.21
